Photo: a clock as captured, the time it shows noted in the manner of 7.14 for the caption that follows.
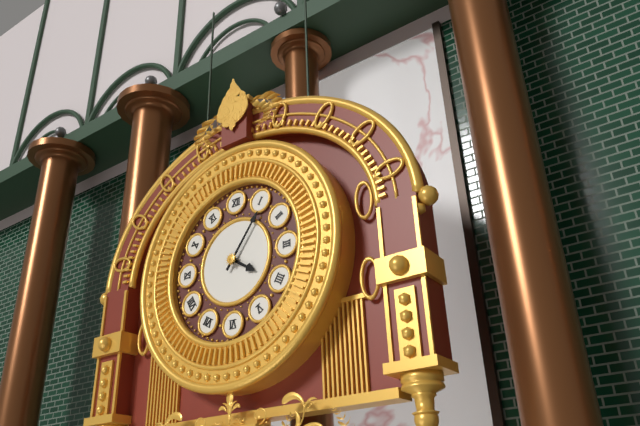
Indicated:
4.06
